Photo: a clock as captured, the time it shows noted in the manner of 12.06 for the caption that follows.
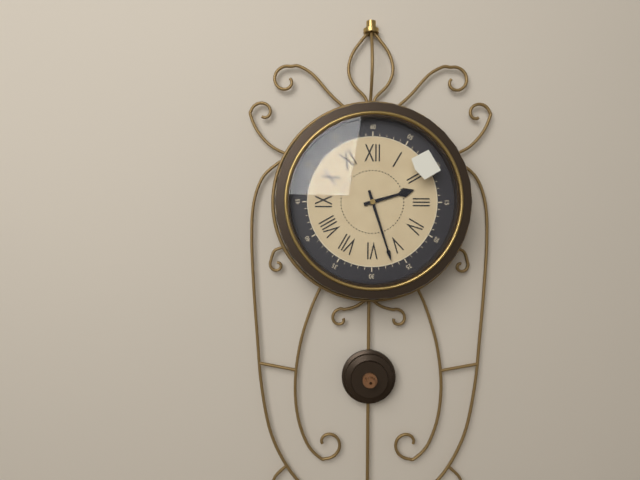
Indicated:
2.27
